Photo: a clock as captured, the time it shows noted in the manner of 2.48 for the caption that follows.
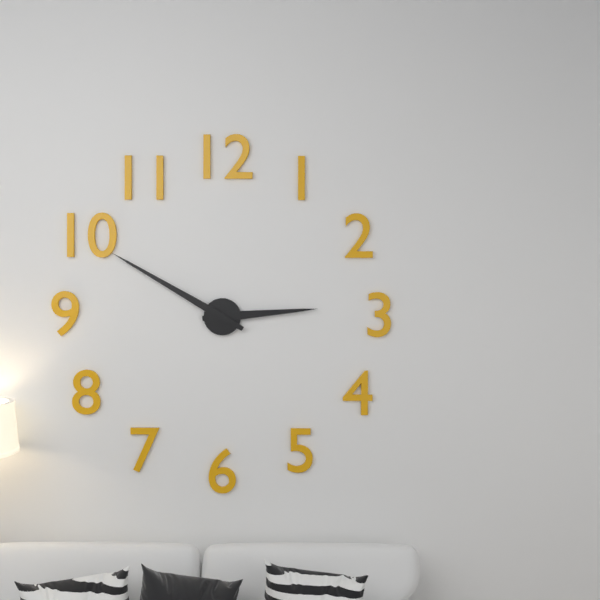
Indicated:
2.50
